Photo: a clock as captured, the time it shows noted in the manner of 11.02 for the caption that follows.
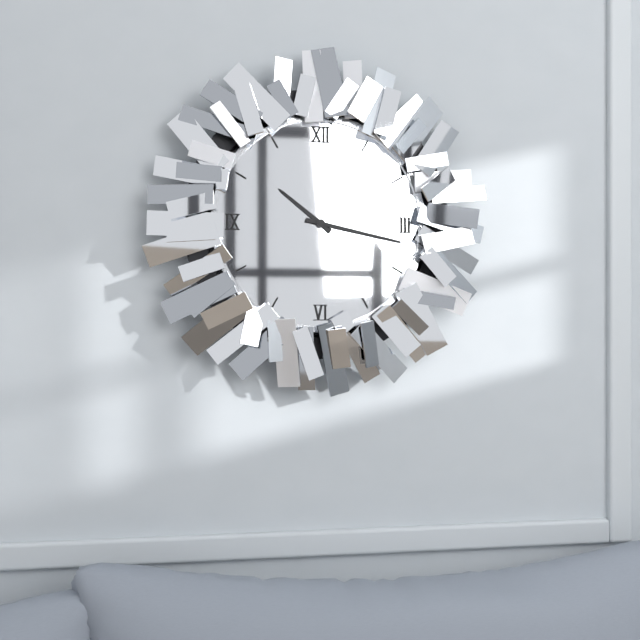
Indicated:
10.17
